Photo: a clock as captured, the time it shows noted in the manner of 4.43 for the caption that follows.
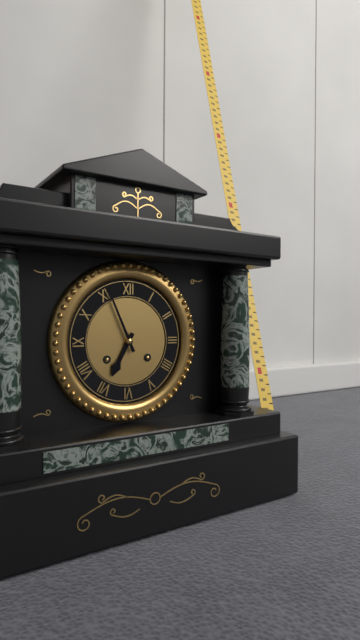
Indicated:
6.56
